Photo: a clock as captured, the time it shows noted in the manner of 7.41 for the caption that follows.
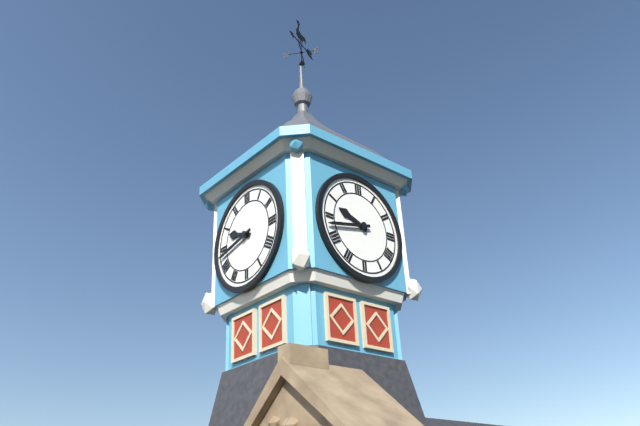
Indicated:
9.43
